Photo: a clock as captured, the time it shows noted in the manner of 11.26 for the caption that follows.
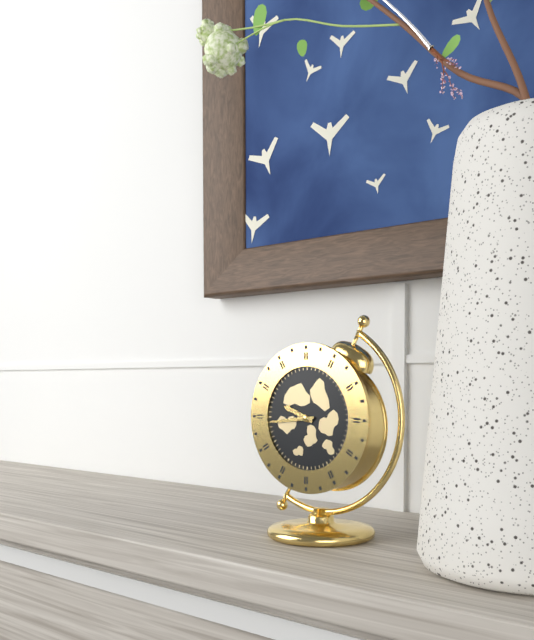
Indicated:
9.44
